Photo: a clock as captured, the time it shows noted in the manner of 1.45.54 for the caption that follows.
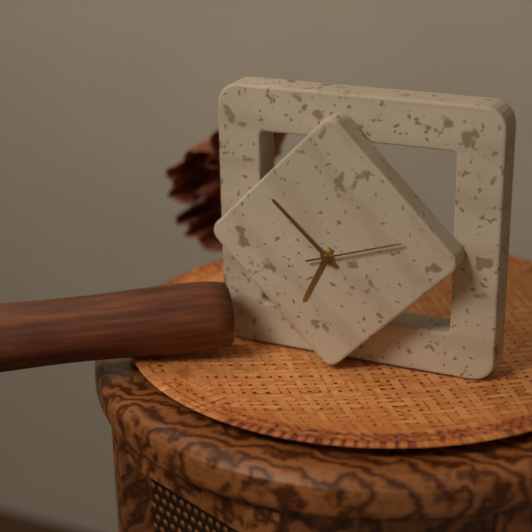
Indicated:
6.52.12
